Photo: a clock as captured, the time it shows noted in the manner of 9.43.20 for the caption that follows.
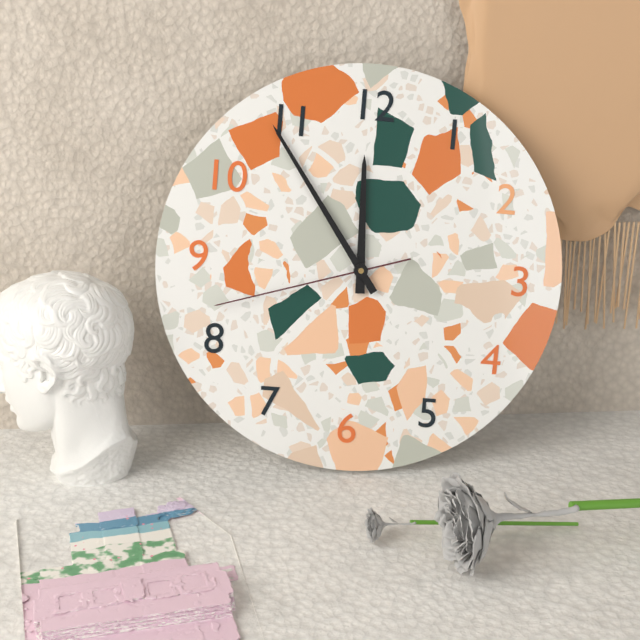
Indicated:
11.54.42
